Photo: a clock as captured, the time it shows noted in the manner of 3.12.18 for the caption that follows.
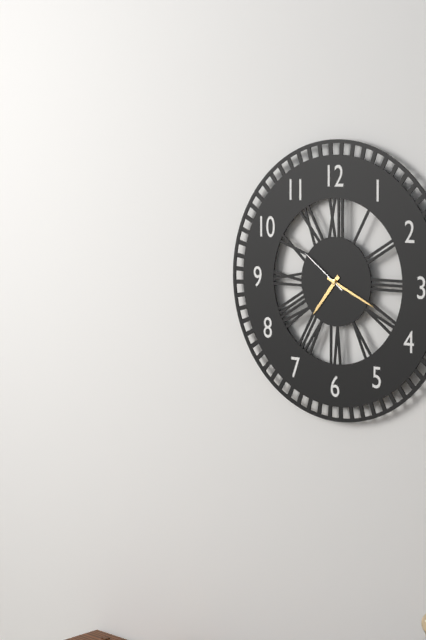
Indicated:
7.19.51
